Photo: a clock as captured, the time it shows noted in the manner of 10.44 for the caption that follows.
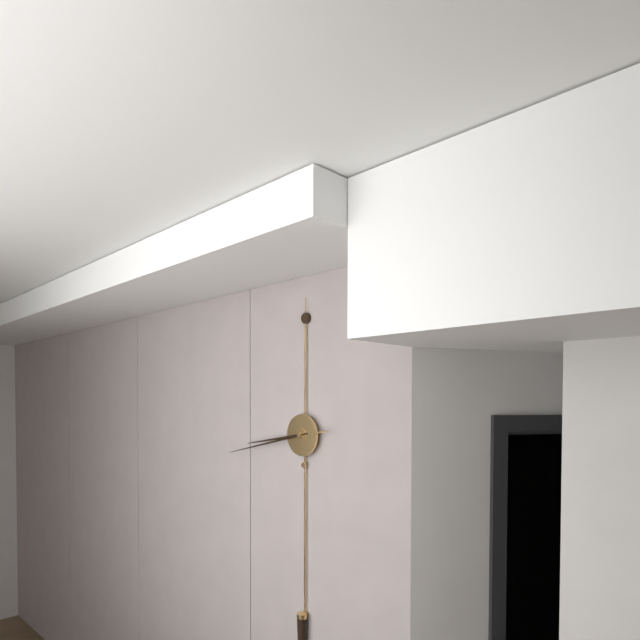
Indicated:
8.43
